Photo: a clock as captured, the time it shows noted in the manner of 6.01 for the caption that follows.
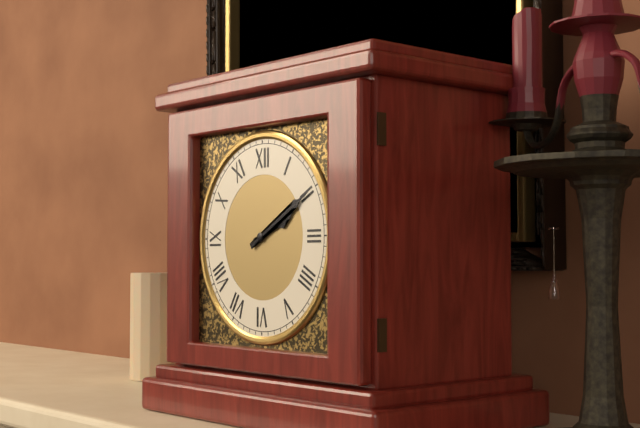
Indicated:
2.10
